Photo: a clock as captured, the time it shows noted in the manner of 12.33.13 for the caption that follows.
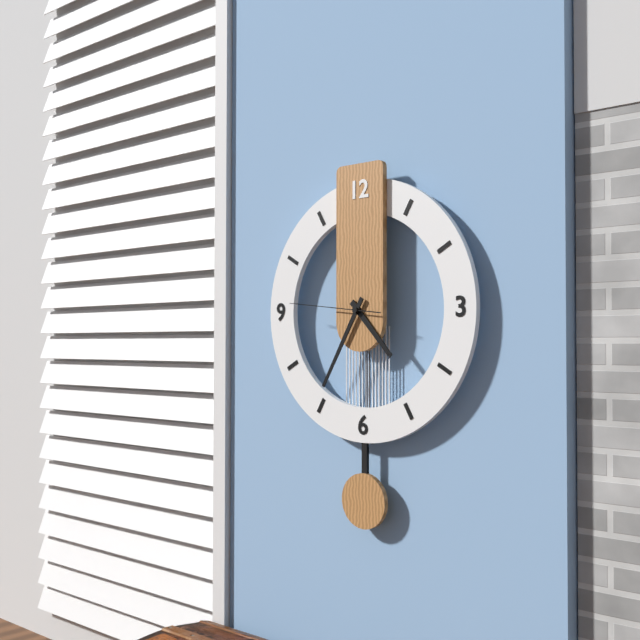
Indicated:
4.35.46
